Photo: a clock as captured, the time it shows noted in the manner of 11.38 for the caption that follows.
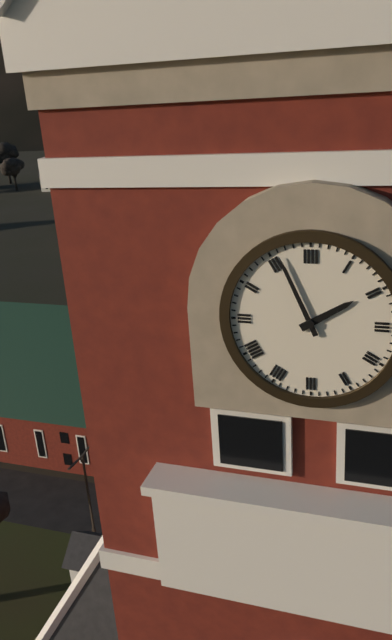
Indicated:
1.56
